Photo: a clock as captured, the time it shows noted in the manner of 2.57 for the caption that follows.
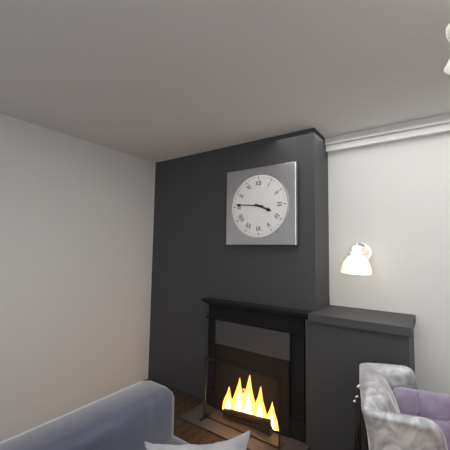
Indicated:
3.46
